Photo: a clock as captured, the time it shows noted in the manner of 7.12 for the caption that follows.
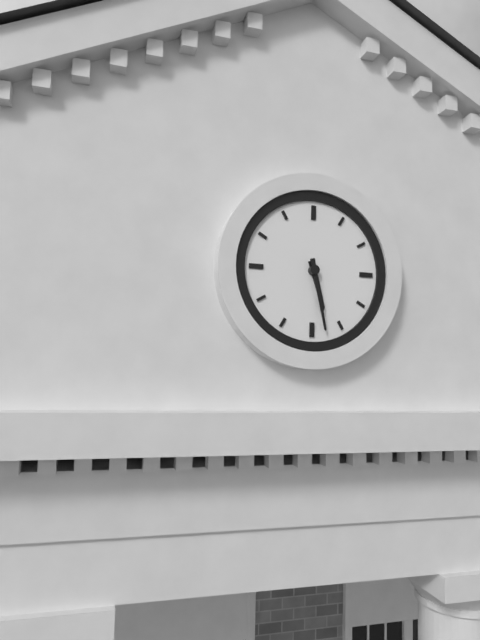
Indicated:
5.28
